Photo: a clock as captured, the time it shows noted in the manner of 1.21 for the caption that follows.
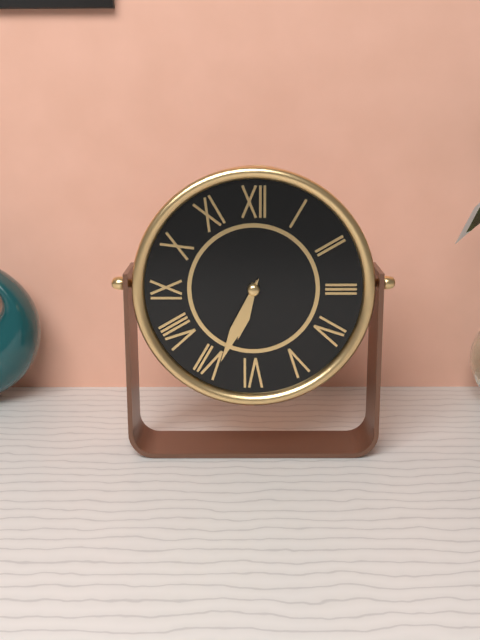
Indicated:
6.34
